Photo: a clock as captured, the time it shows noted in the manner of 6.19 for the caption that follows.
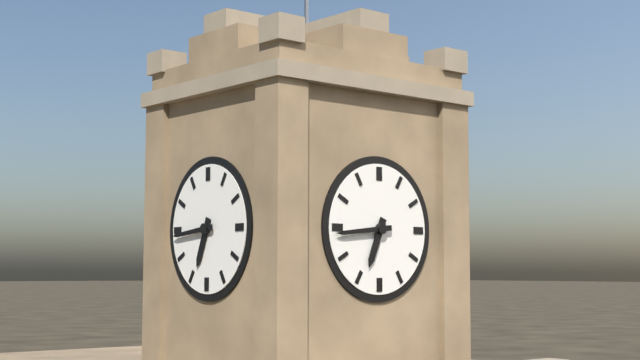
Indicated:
6.44
